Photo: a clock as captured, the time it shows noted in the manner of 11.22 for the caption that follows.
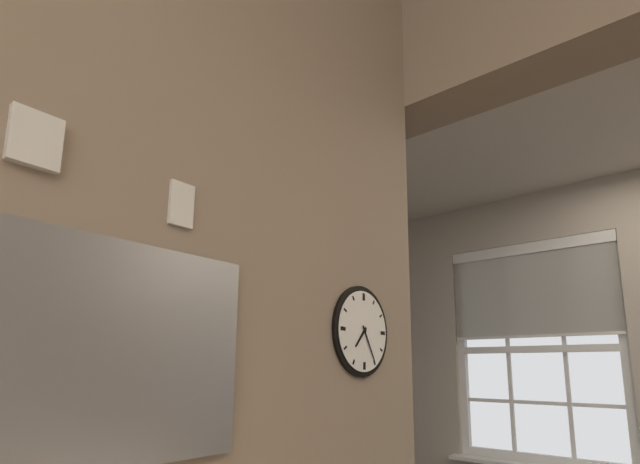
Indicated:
7.25
